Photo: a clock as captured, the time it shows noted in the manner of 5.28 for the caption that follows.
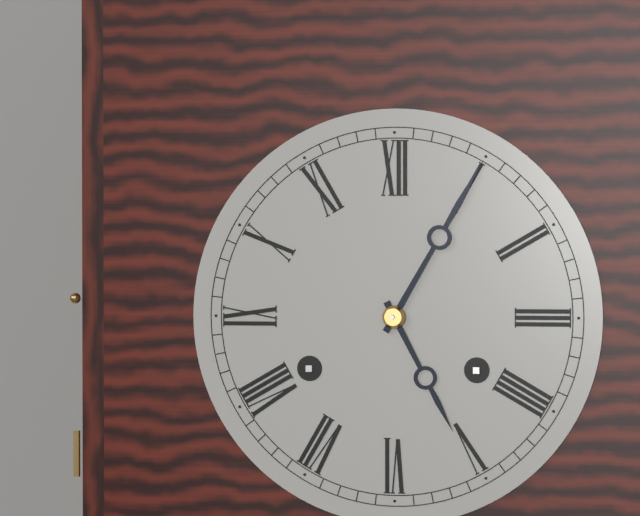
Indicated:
5.05
